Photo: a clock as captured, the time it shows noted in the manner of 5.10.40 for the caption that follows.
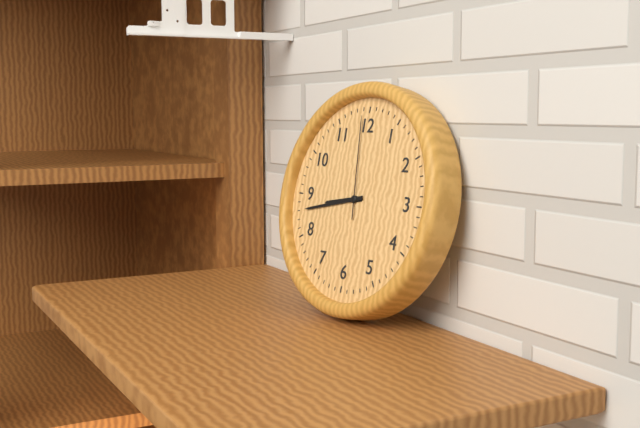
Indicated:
8.43.59
